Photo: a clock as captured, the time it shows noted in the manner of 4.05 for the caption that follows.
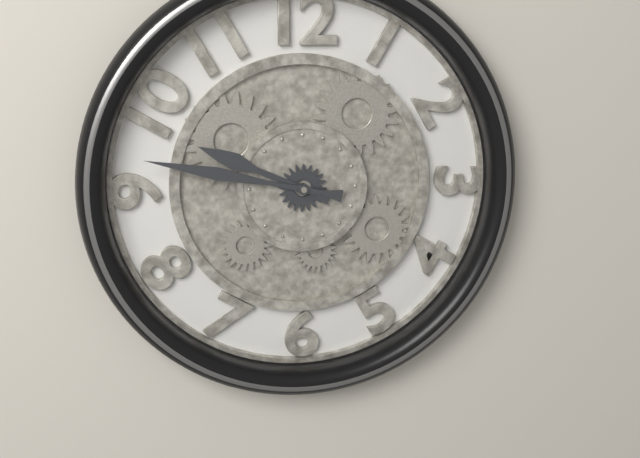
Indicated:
9.47
